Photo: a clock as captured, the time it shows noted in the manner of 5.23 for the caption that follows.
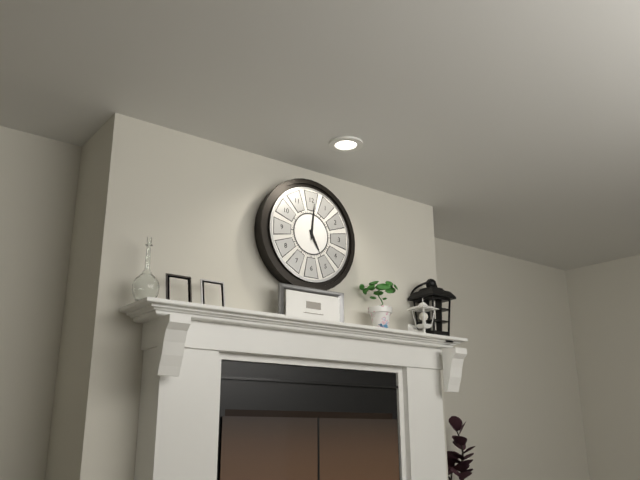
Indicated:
5.01
